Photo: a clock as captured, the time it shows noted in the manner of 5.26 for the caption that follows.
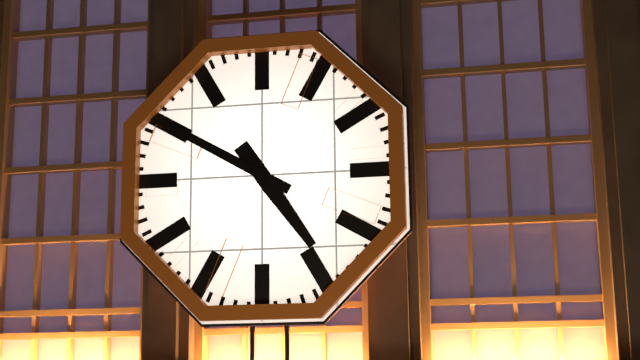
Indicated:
4.50
